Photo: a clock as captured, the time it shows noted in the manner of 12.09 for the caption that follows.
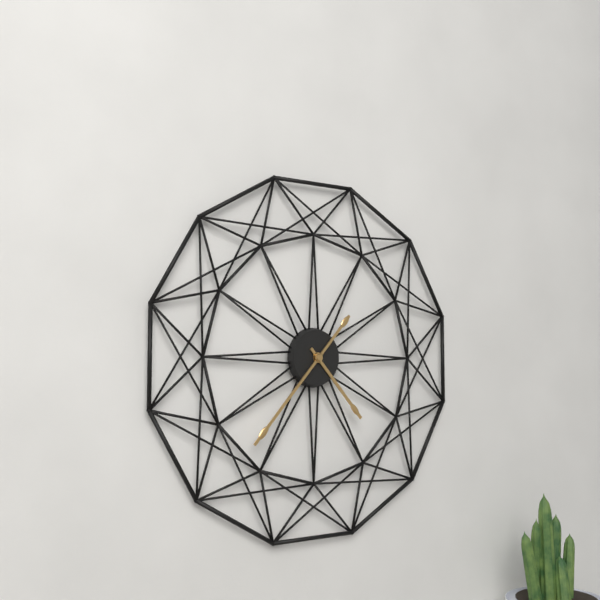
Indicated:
4.37
